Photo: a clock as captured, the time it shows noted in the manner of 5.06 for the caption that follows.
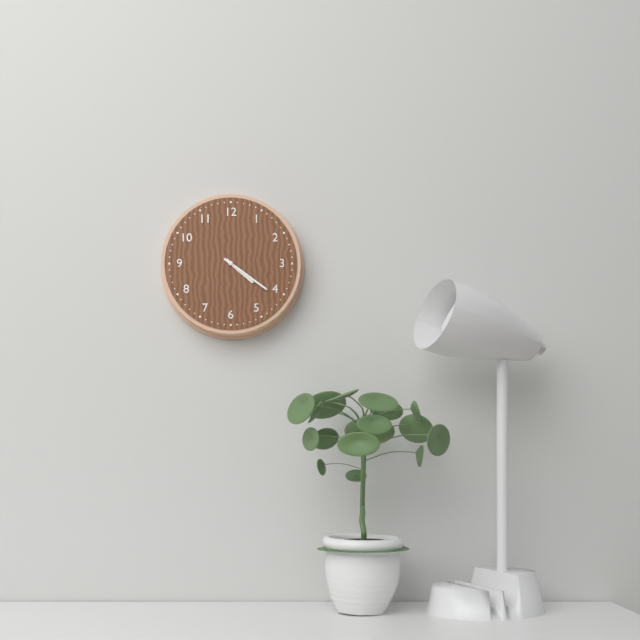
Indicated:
4.21
